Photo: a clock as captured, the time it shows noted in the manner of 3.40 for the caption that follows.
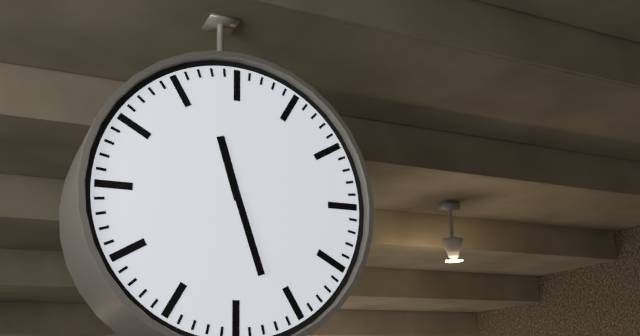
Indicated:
11.27
